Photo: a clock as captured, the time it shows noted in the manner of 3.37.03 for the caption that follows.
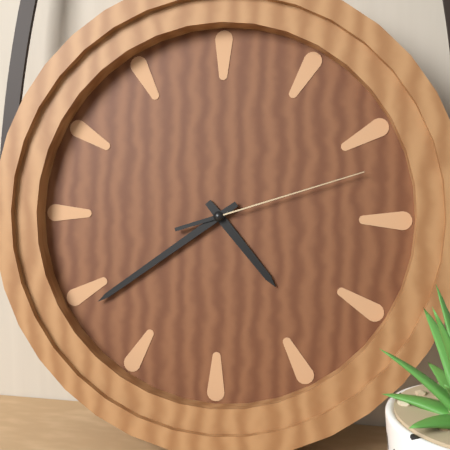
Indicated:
4.39.12
